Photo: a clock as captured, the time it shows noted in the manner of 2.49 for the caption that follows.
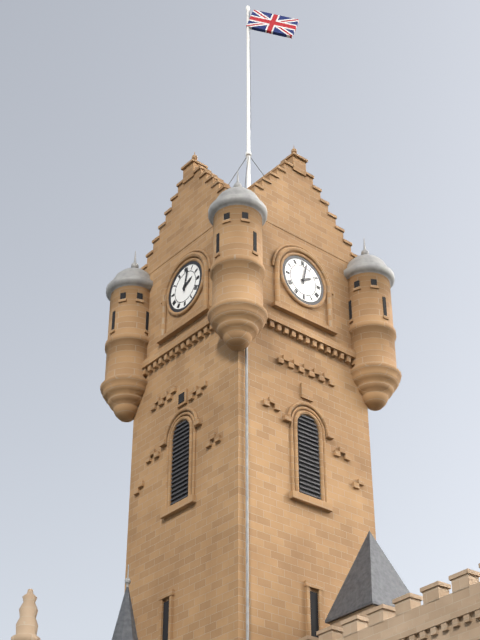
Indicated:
2.02
